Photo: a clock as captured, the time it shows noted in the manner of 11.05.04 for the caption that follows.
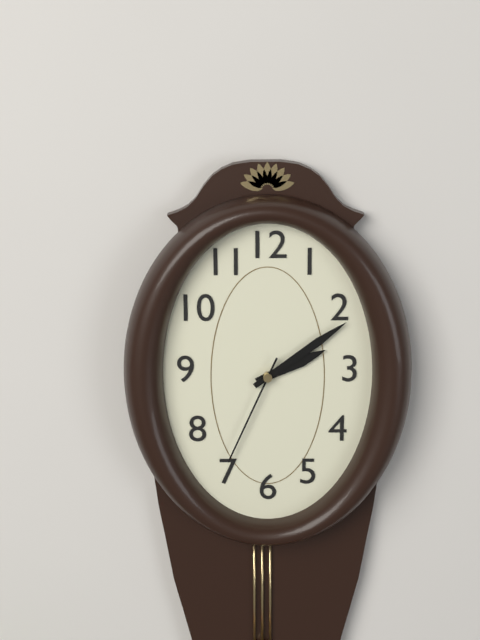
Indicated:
2.09.34
